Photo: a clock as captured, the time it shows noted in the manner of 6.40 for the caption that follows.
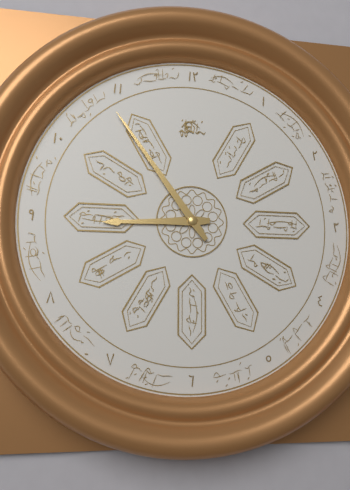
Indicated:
8.54
